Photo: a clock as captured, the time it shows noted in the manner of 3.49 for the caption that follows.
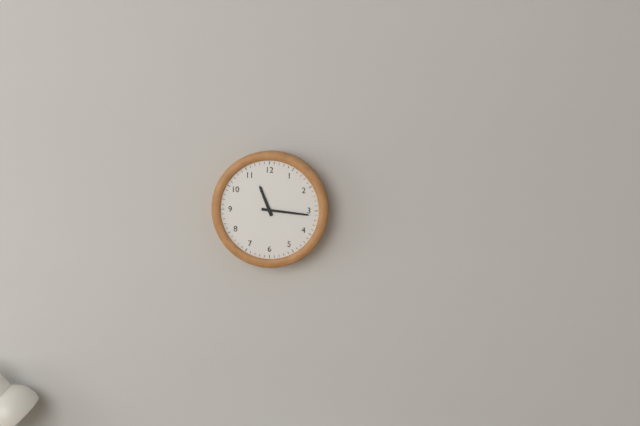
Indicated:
11.16
